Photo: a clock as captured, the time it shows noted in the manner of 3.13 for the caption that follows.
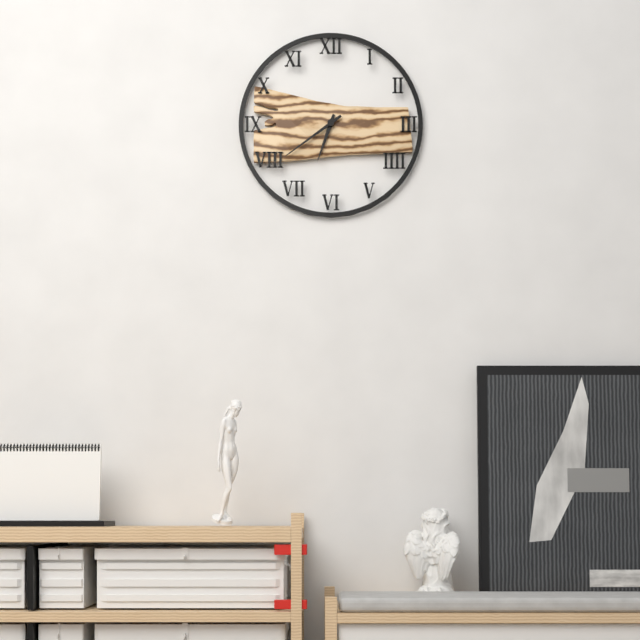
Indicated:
6.39
